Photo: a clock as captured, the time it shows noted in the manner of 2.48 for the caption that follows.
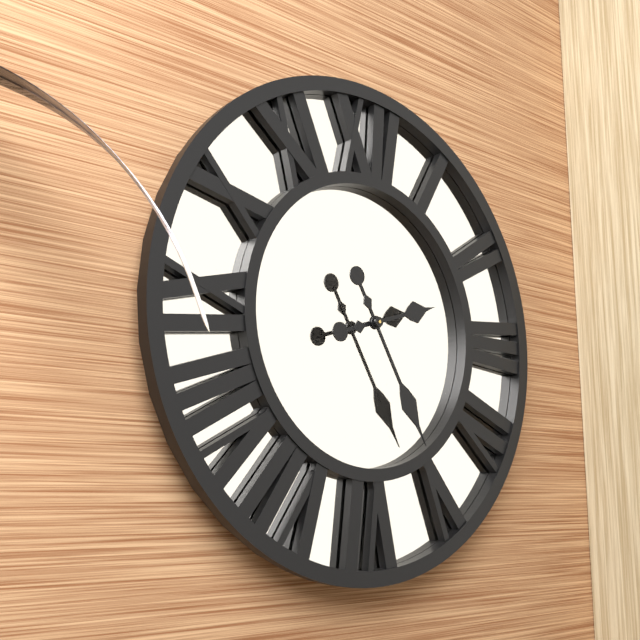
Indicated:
2.25
